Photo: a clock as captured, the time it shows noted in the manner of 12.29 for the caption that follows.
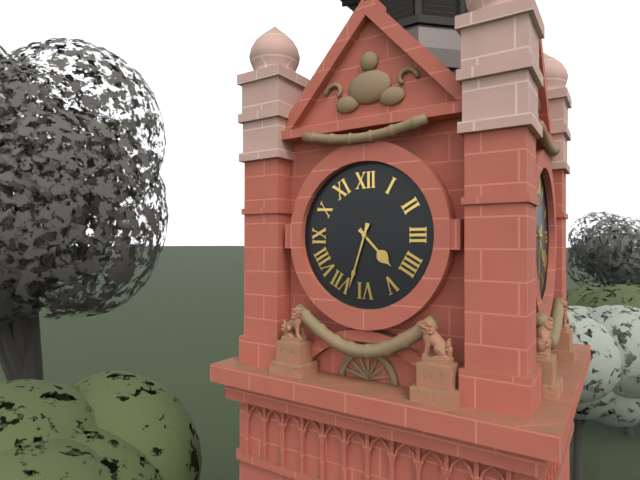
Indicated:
4.33
